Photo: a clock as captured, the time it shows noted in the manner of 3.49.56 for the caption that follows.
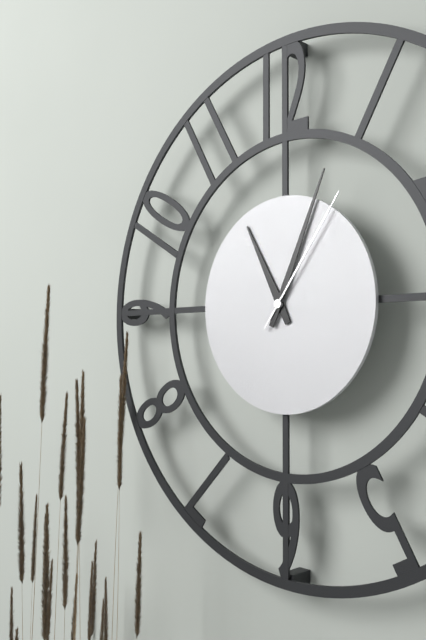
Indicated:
11.04.06
